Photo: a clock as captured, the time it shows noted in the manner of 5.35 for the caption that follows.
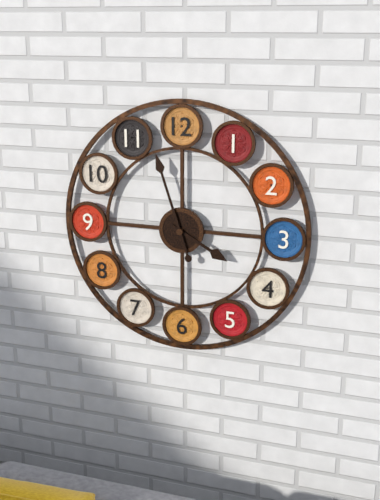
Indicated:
3.57
